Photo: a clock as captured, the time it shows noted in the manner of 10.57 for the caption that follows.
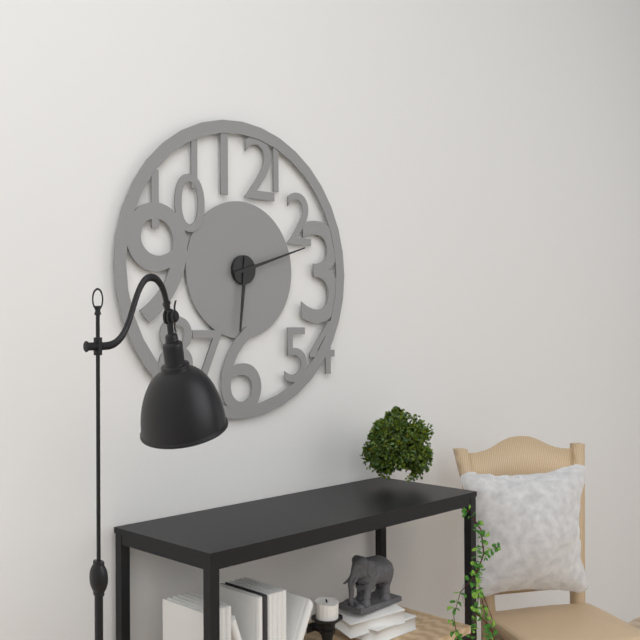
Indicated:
6.12
